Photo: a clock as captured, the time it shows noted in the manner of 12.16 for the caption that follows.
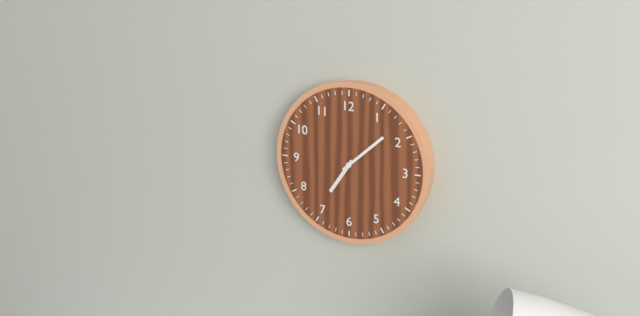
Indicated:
7.08
